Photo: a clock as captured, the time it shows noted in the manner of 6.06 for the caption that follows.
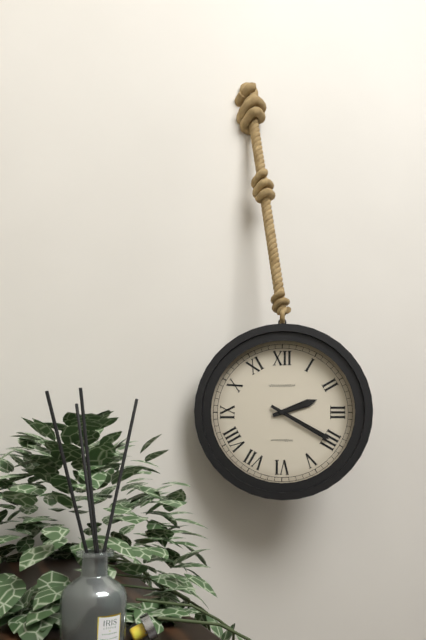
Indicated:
2.20
